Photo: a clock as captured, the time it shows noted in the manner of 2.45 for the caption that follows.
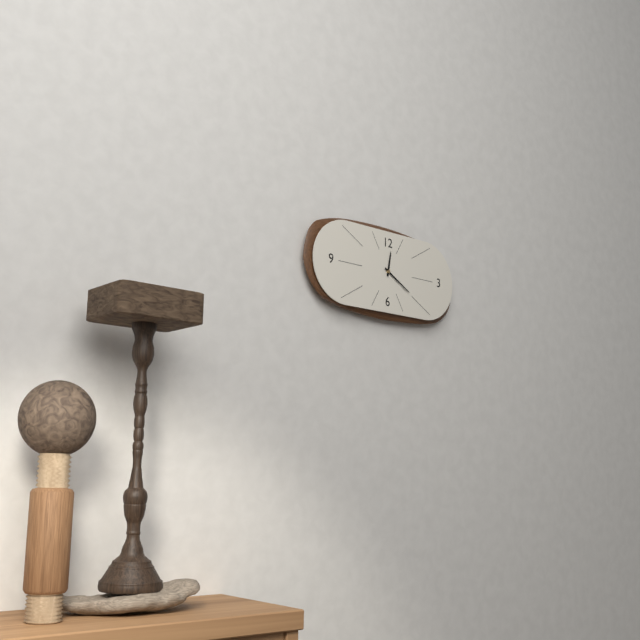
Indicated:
12.20
